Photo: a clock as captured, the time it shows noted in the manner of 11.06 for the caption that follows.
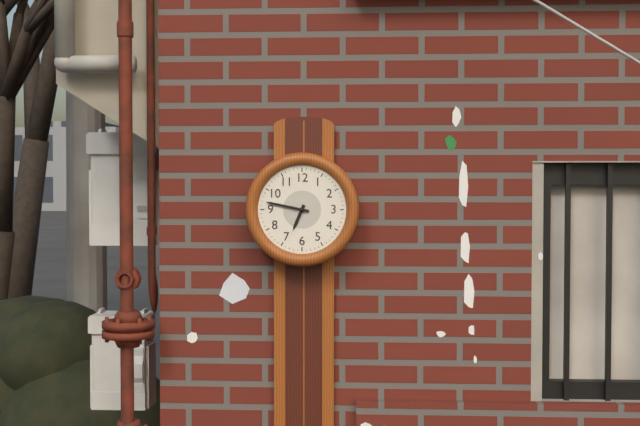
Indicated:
6.47
